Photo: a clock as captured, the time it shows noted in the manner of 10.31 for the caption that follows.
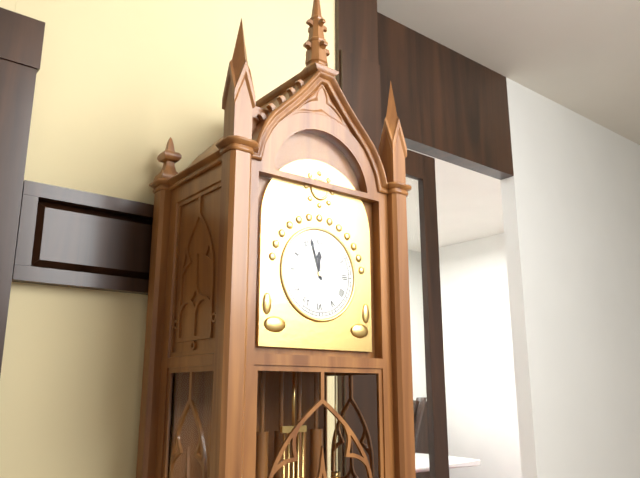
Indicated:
11.57
